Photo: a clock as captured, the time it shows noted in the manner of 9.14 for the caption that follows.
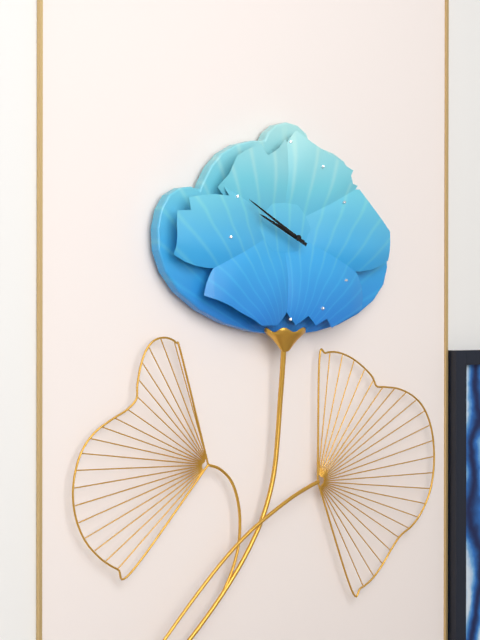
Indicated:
9.50
